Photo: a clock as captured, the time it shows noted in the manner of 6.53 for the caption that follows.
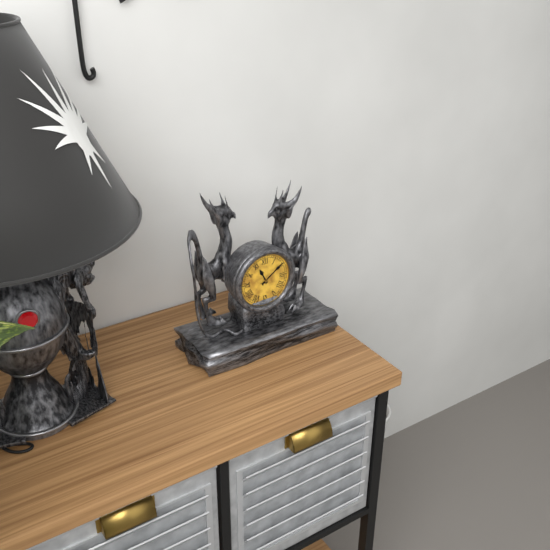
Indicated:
11.09
